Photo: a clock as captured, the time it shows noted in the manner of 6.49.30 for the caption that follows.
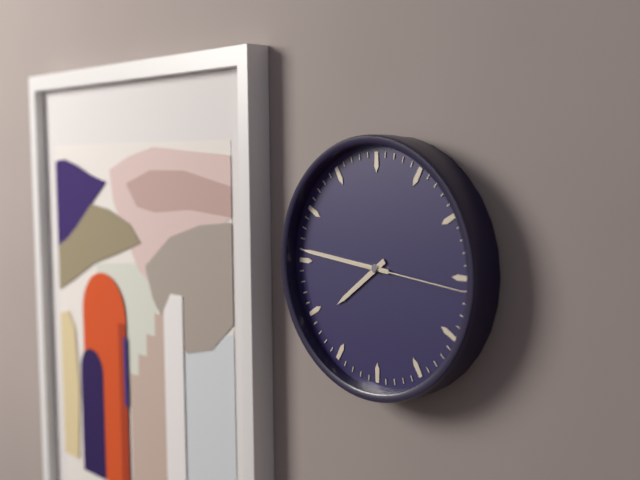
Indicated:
7.46.16
